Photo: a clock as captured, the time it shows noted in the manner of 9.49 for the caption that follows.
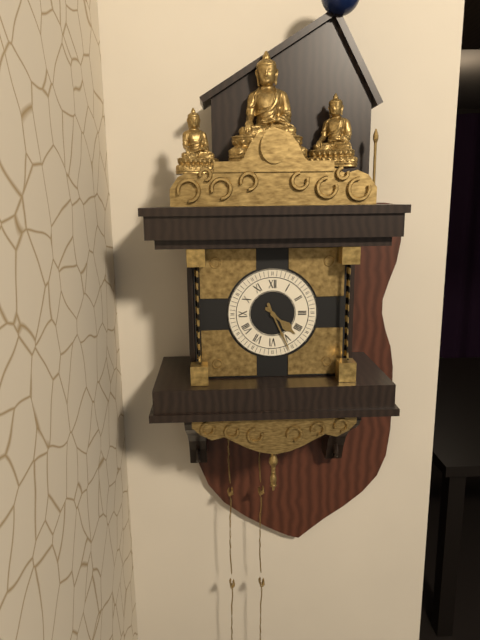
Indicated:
4.26
